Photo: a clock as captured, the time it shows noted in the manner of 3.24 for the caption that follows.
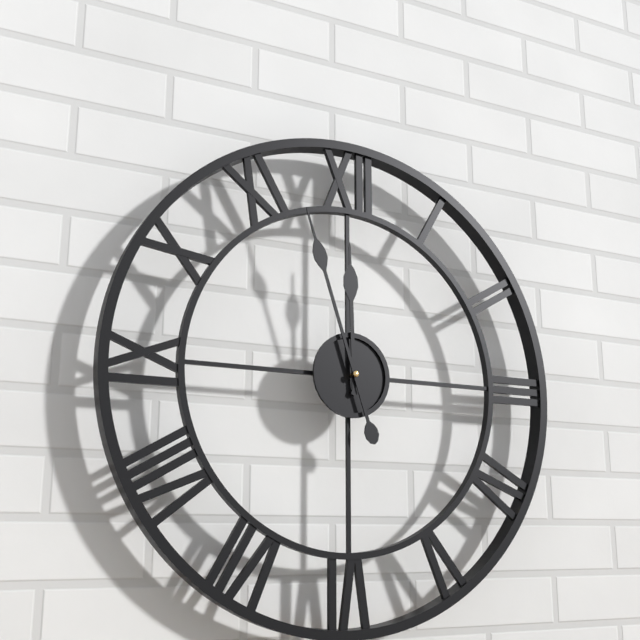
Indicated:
11.57
